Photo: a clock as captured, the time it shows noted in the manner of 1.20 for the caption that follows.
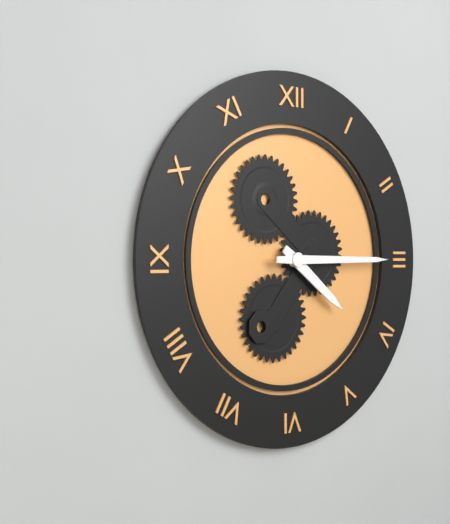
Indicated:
4.15
